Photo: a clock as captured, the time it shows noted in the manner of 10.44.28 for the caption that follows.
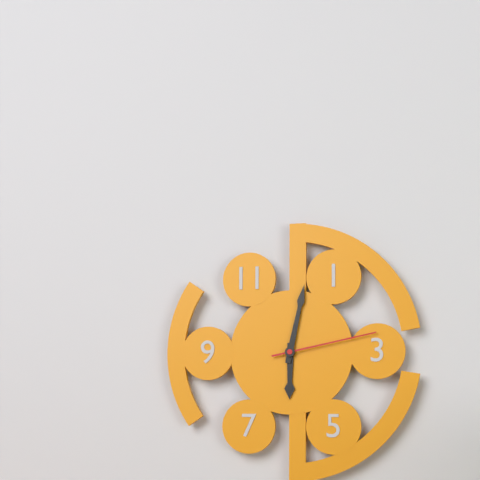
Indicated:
6.02.13
